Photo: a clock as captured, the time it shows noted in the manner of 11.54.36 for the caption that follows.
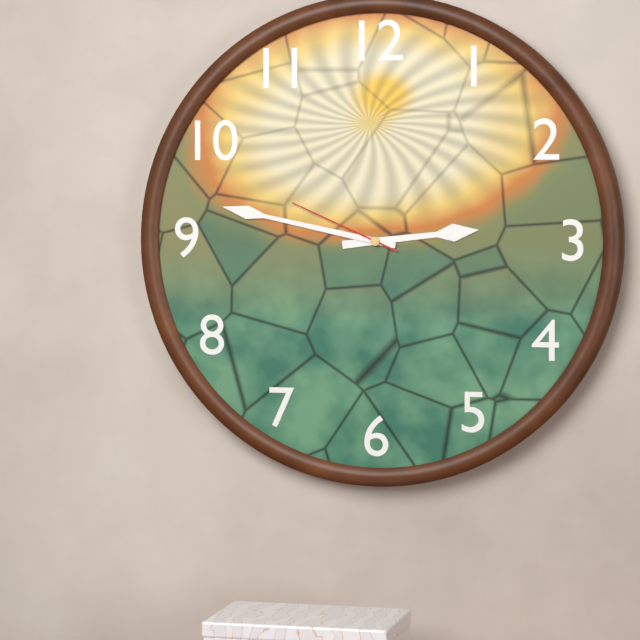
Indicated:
2.47.49
